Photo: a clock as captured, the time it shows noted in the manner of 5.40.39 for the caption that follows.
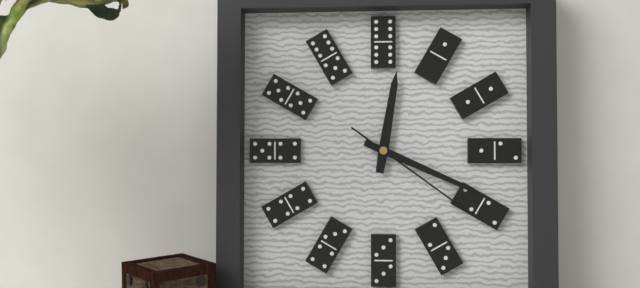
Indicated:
12.19.21
